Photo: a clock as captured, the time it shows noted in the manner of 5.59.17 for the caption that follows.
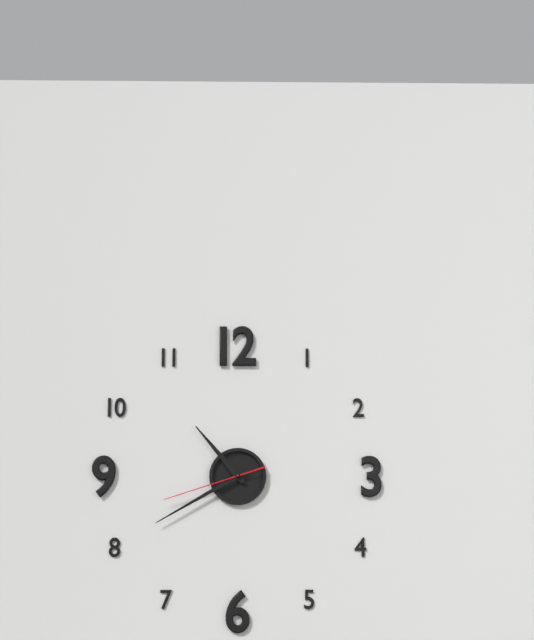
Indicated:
10.40.42
